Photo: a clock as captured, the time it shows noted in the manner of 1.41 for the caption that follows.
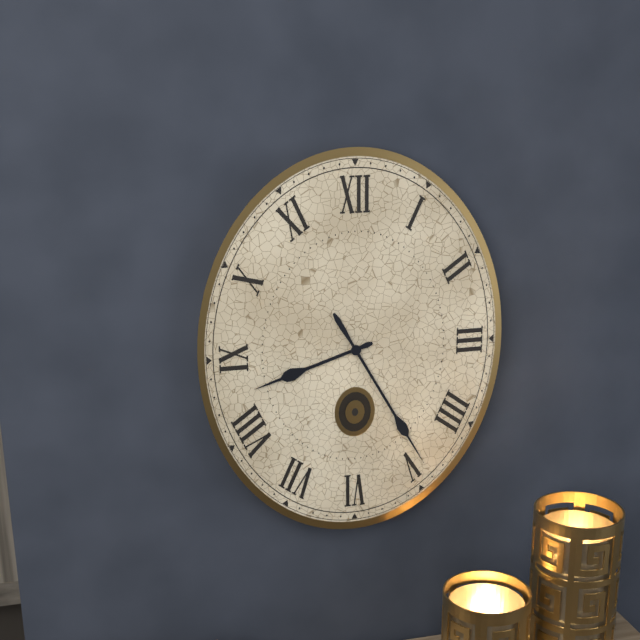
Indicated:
8.25
